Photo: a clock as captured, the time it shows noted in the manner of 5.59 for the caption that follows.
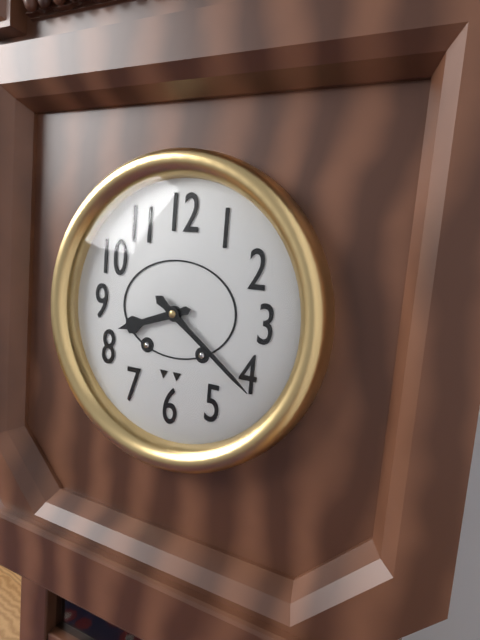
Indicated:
8.21
